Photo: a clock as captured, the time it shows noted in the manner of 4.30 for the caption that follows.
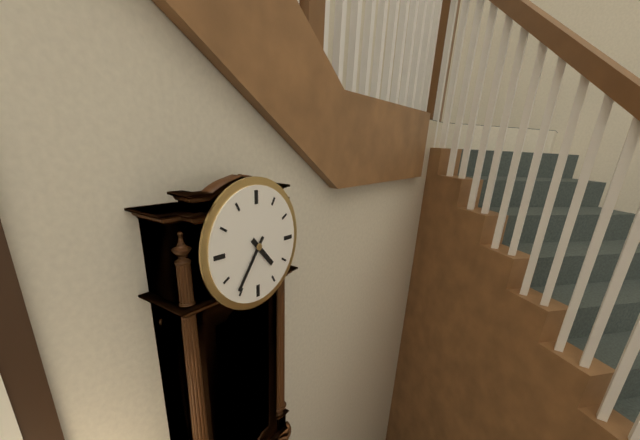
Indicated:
4.36
